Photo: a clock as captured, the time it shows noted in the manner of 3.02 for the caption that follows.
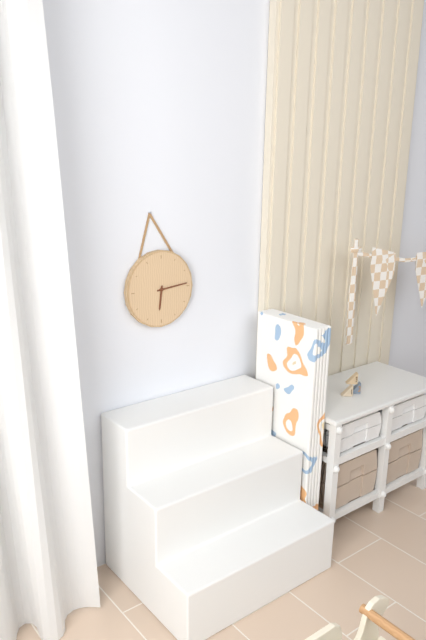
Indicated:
6.14
